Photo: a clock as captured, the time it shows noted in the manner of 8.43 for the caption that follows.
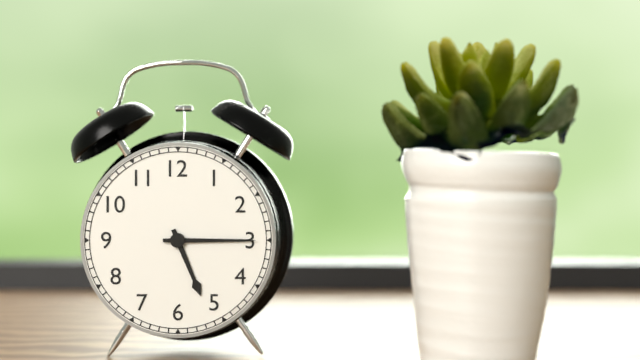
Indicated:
5.15
